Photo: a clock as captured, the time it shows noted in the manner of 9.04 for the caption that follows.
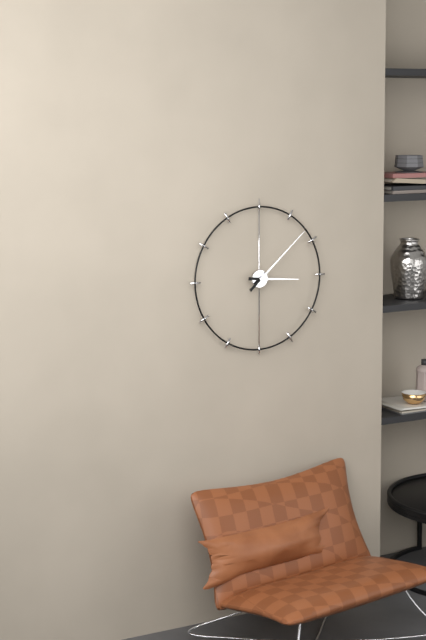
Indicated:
3.08
